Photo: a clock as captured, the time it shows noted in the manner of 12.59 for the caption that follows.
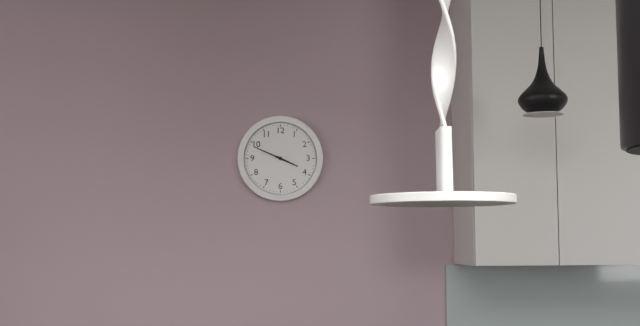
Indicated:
3.49
